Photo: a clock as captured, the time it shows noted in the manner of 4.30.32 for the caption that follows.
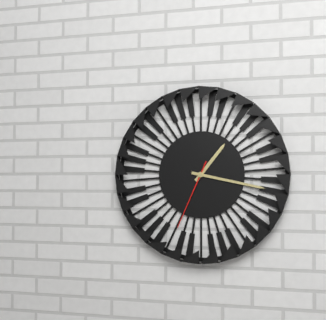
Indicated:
1.17.34
